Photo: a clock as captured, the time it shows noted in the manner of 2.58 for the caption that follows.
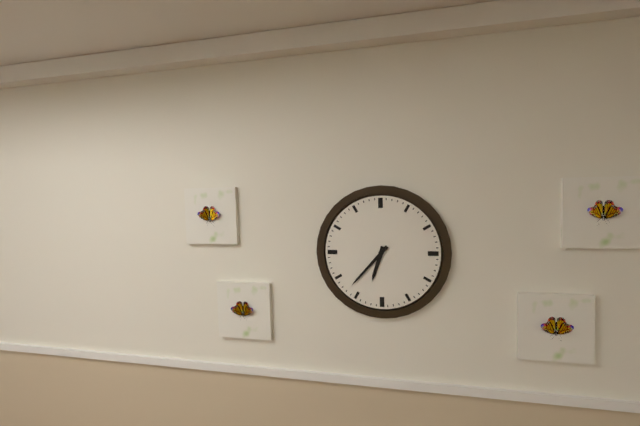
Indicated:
6.37
